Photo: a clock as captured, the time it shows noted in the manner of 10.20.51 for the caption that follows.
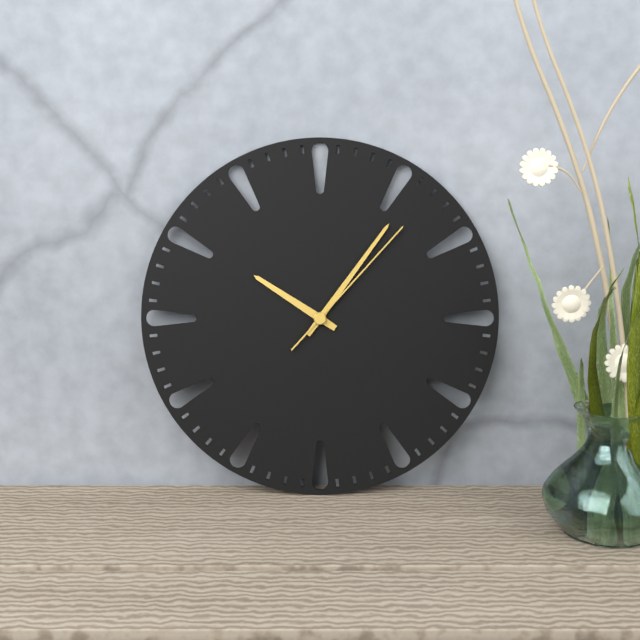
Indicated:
10.06.07
